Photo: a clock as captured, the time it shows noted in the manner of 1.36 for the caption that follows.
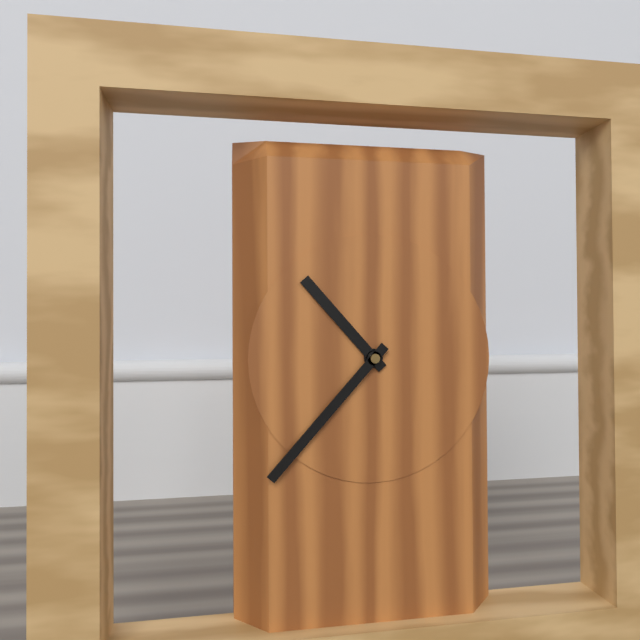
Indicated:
10.37
